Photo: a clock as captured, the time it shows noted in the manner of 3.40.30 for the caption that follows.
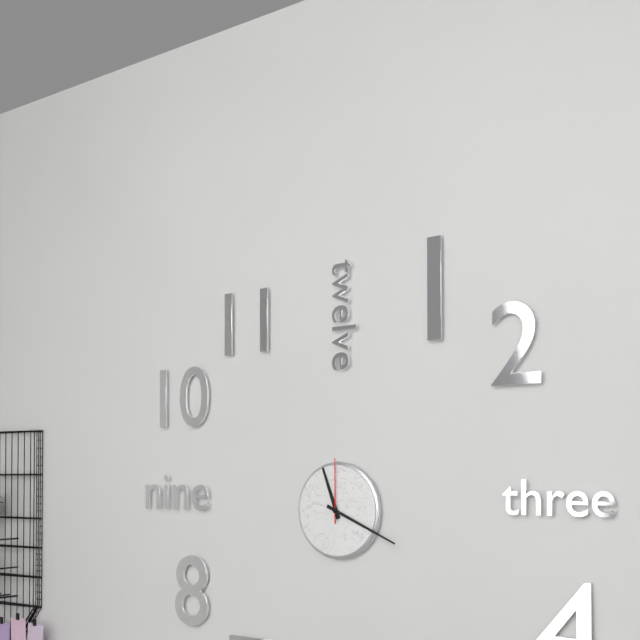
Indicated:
11.19.00
